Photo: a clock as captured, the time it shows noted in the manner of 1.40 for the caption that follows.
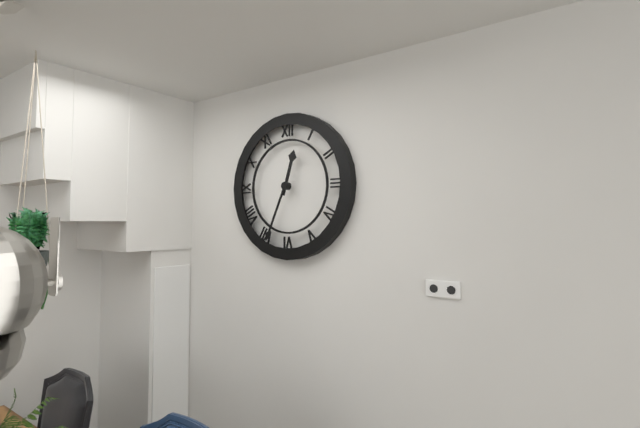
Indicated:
12.34
